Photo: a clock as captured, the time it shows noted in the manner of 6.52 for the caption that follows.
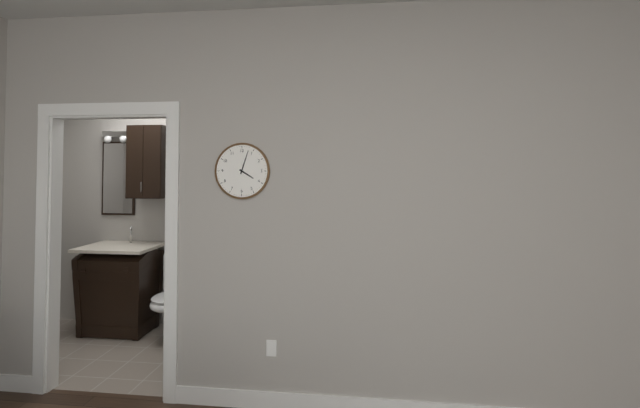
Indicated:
4.03
